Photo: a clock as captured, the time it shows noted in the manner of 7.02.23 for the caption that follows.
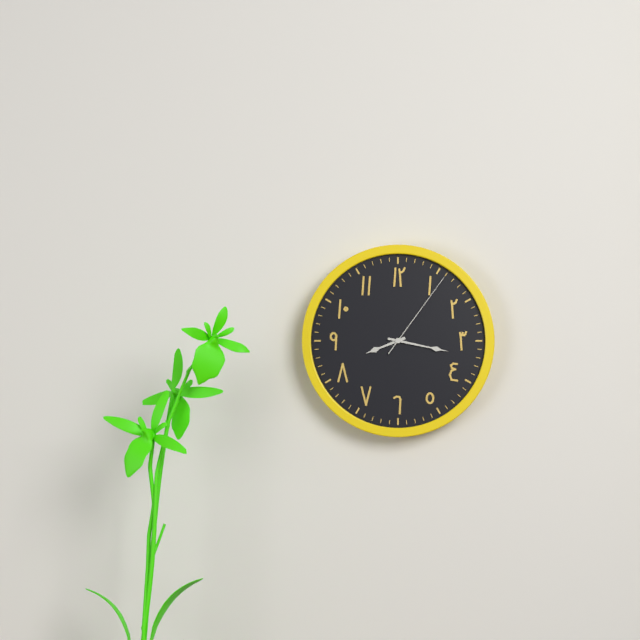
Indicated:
8.17.06
